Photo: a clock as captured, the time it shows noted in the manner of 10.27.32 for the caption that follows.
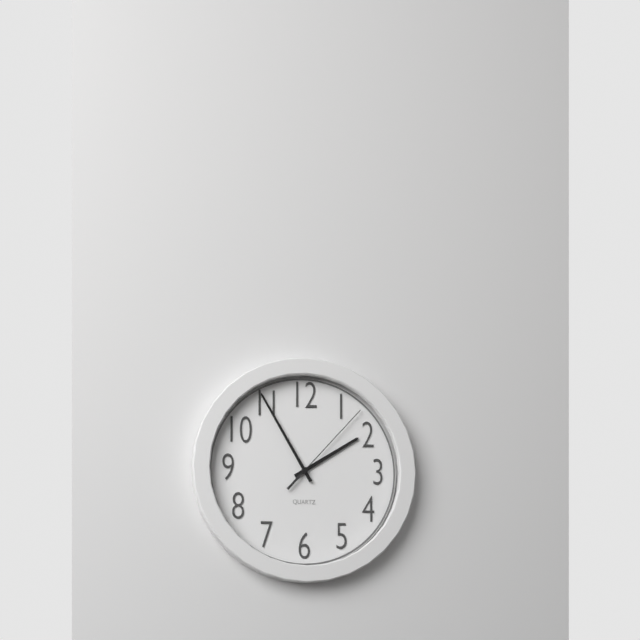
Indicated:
1.55.07
